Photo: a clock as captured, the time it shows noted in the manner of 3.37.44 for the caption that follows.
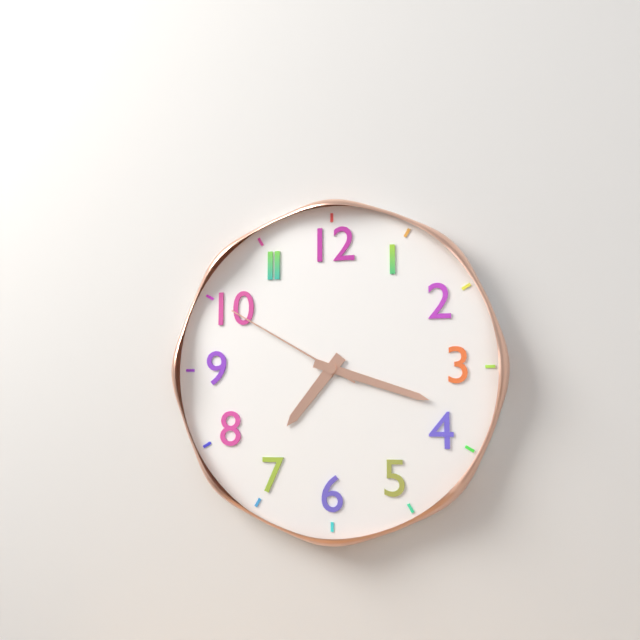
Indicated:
7.18.50
